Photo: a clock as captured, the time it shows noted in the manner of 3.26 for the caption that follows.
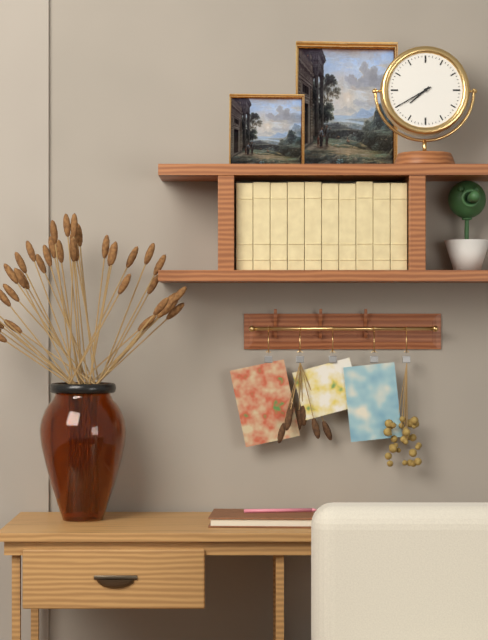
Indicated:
7.40
